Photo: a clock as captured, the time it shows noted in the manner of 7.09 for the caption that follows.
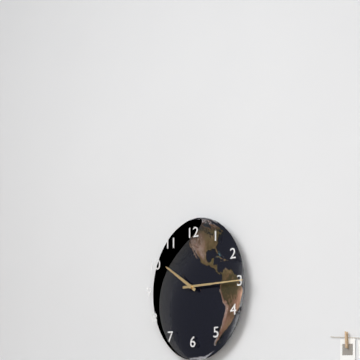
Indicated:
10.15
